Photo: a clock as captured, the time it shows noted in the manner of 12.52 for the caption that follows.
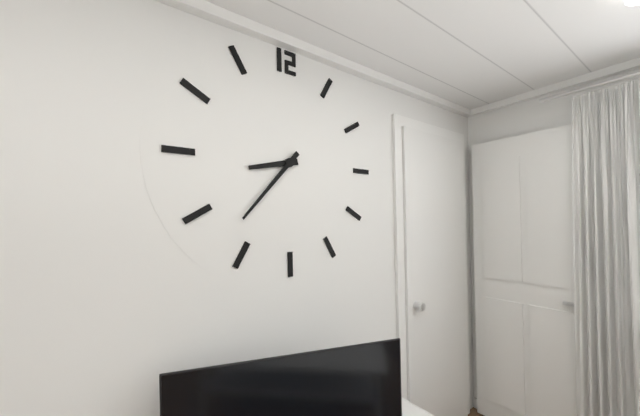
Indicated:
8.37
